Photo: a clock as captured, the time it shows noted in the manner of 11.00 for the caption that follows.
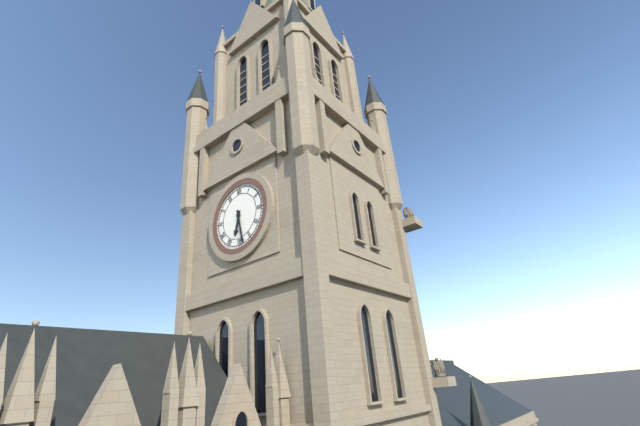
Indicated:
6.28
